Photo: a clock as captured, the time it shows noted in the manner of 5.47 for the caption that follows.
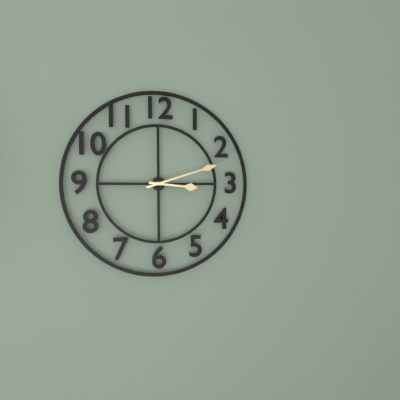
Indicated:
3.12
